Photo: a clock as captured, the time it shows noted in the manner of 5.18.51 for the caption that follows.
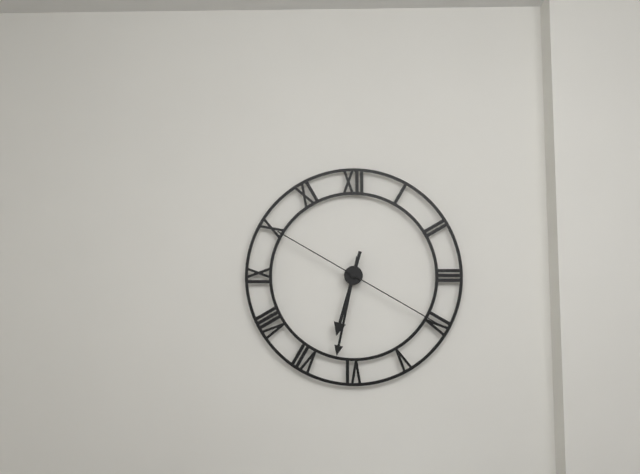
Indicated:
6.32.20
